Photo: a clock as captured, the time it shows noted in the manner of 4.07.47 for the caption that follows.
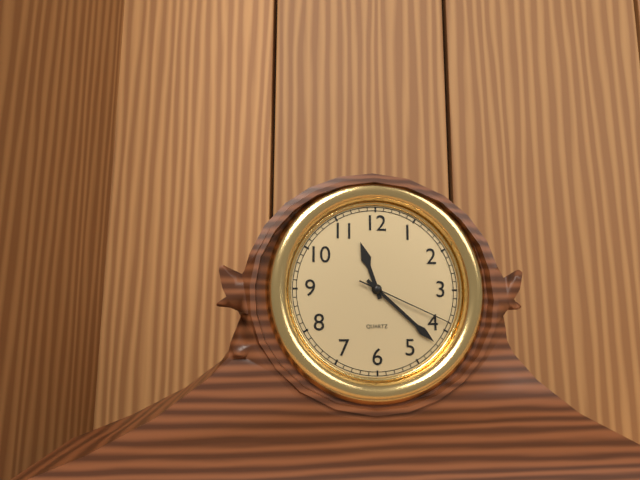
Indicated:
11.22.19
